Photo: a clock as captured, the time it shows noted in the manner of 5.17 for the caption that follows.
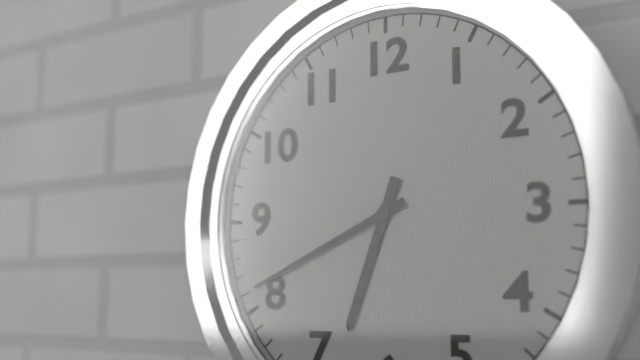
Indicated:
6.41
